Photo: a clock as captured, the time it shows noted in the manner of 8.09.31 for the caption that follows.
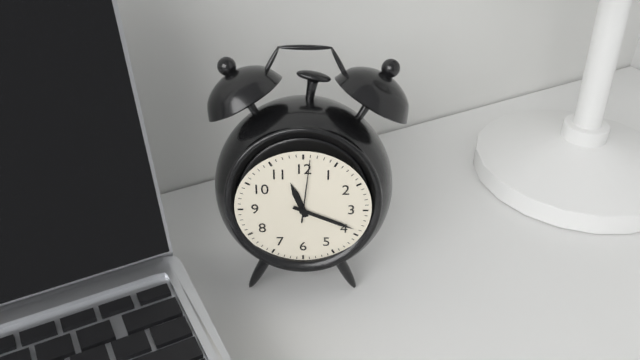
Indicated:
11.19.01
